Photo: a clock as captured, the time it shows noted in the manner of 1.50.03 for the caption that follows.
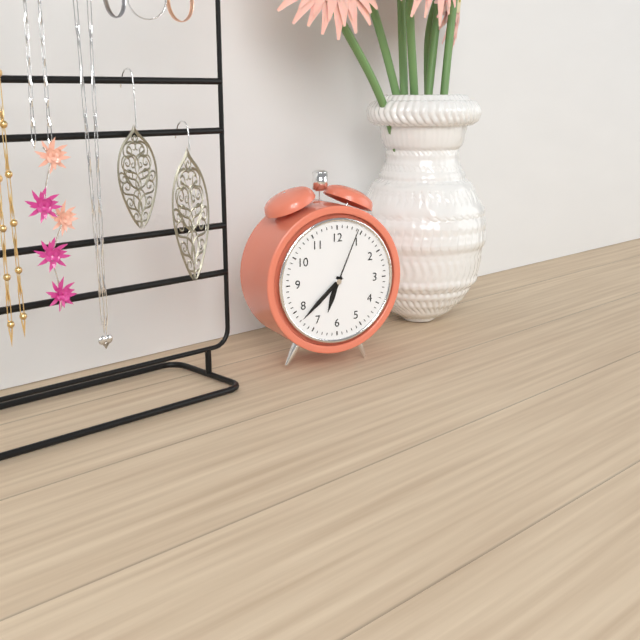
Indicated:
6.38.04
